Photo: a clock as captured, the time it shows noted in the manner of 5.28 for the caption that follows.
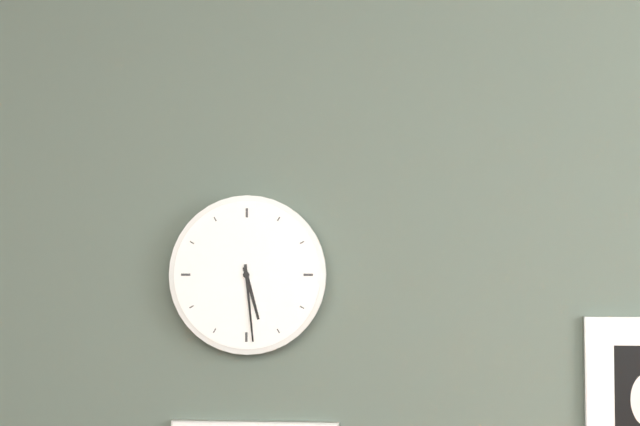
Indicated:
5.29
